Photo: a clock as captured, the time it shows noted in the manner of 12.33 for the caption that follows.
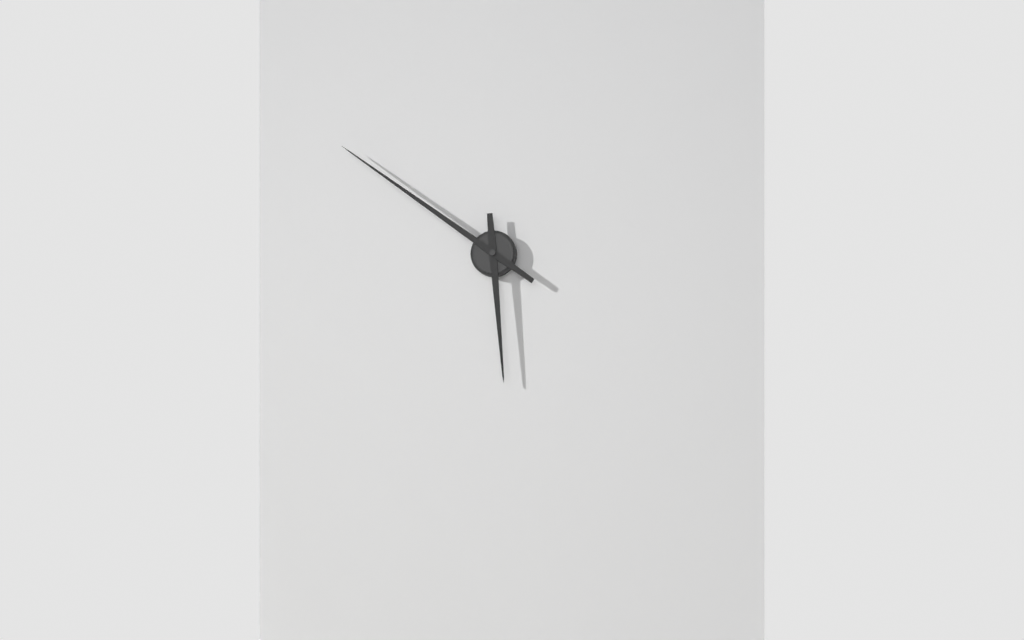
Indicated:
5.51
